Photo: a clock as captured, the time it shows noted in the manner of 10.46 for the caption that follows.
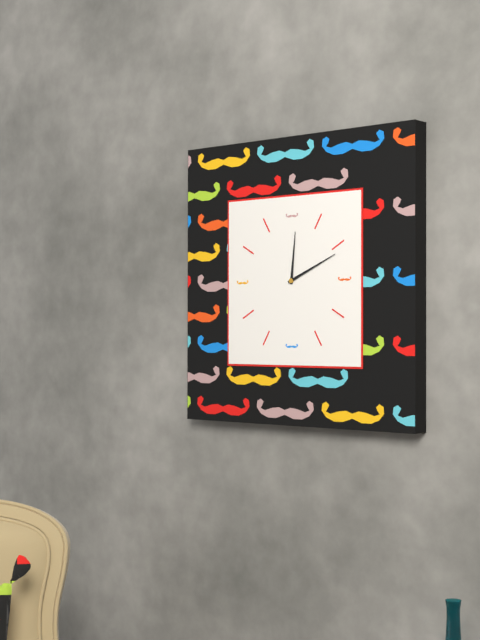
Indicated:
12.11
